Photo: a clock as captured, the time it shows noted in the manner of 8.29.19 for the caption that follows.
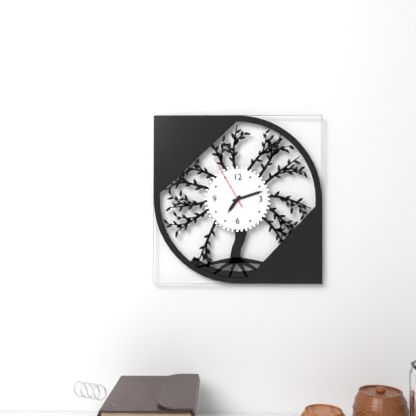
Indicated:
7.12.55
